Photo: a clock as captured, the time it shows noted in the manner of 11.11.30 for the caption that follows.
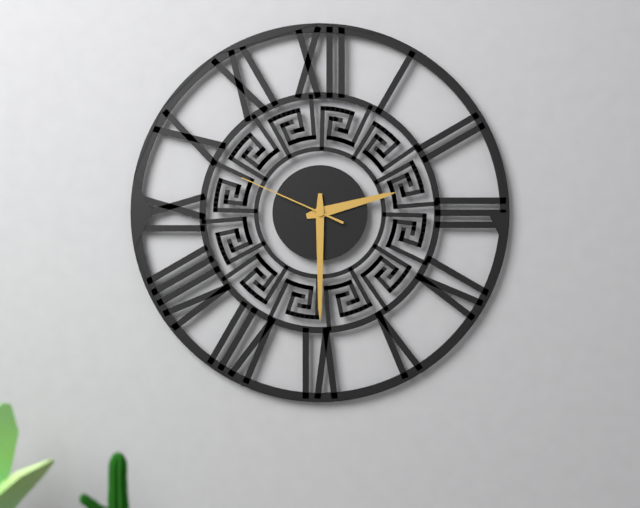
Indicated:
2.30.49
